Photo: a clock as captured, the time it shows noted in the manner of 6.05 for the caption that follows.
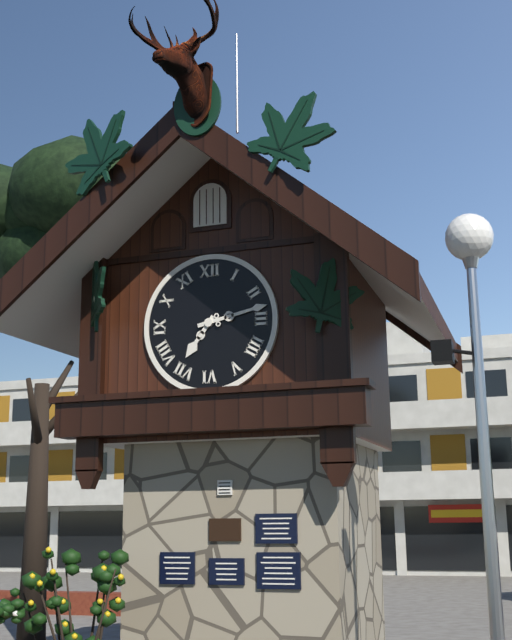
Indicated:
7.13
